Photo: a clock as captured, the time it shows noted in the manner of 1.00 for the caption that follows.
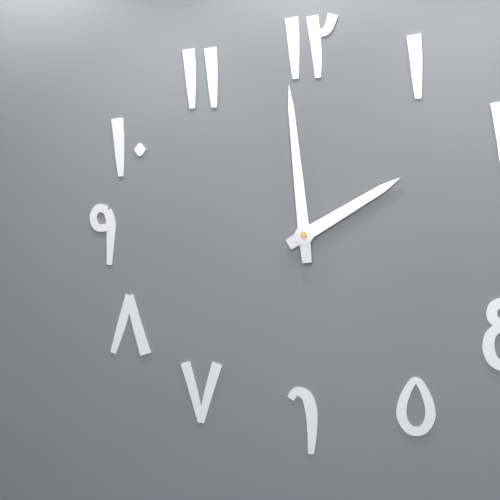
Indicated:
1.59
